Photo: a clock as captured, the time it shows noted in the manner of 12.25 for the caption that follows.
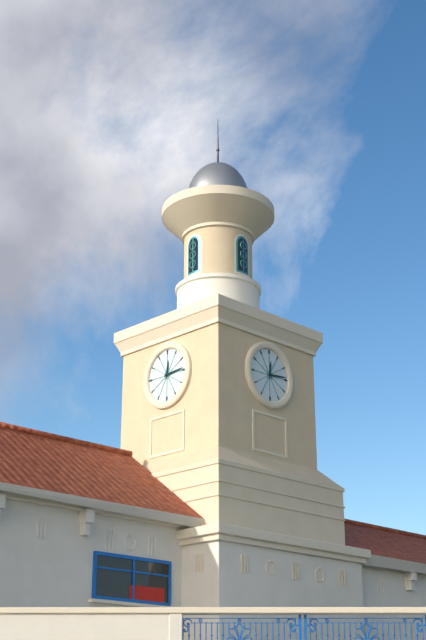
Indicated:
12.14
